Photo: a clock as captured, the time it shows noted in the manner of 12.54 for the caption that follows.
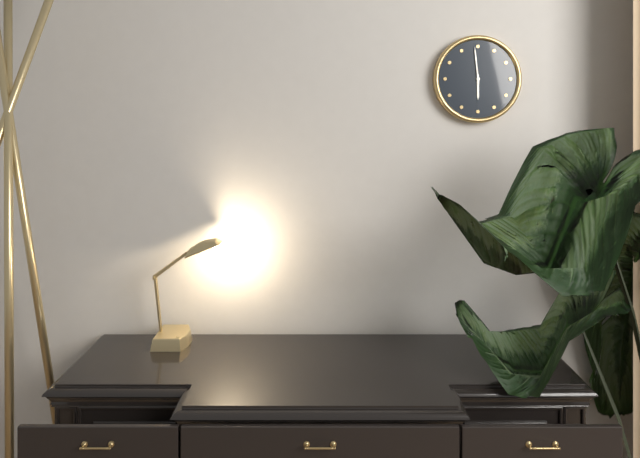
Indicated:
5.59
